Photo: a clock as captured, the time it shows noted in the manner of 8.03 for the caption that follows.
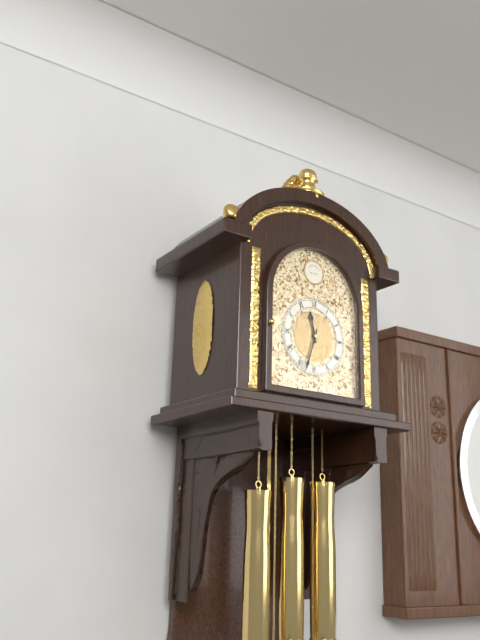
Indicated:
11.33
